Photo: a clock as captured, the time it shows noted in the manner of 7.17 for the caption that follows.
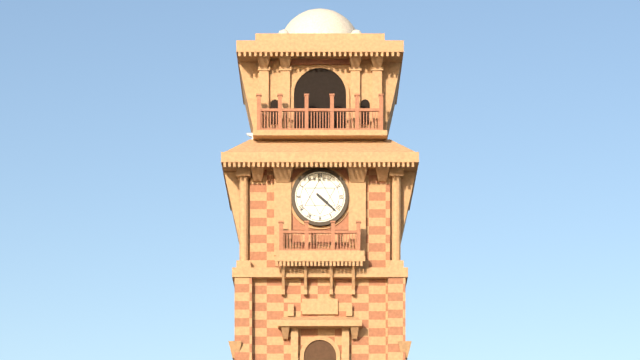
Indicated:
4.22
